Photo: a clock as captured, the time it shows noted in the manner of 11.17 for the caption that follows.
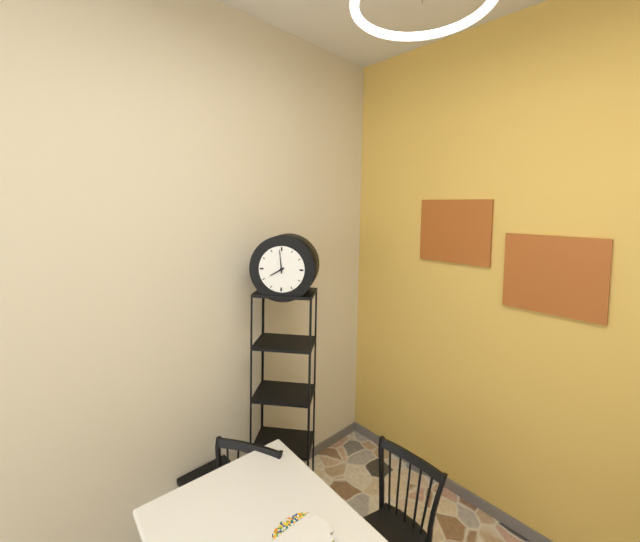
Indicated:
7.59
